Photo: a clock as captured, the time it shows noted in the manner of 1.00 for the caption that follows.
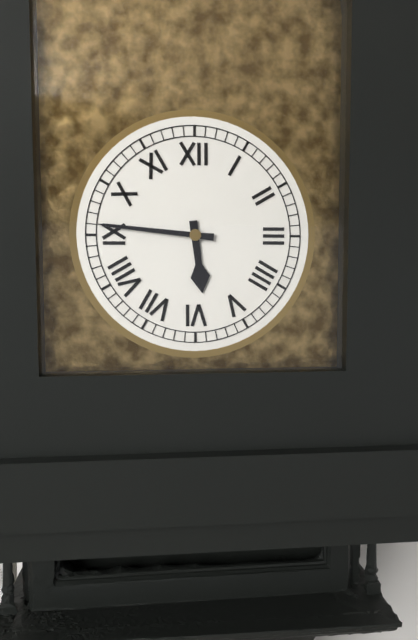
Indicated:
5.46
